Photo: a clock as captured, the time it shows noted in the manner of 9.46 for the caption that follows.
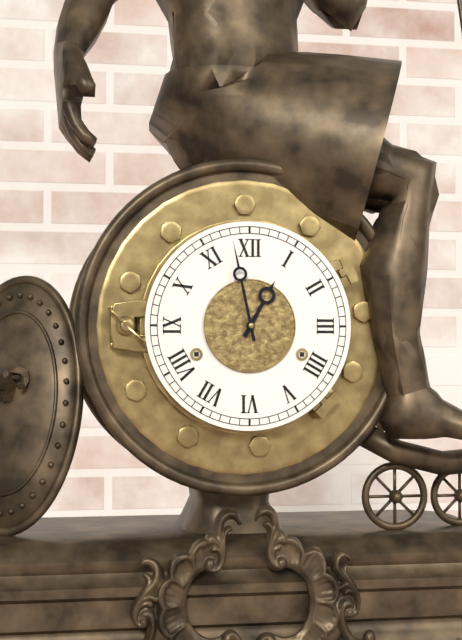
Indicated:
12.58
